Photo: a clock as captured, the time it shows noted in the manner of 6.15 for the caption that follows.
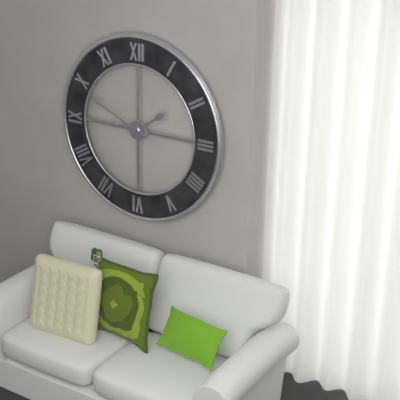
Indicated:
1.49
